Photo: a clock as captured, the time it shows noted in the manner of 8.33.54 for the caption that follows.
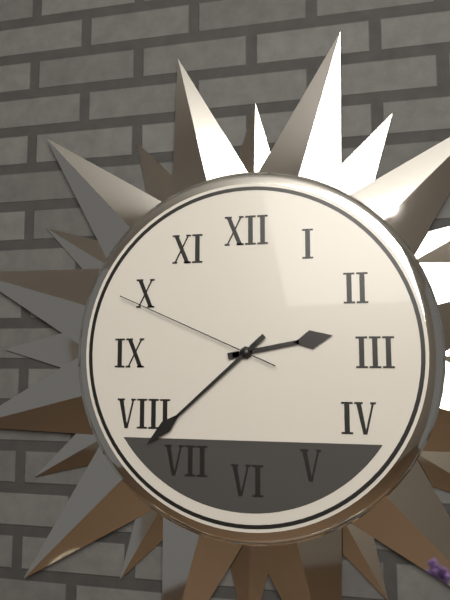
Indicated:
2.38.49
